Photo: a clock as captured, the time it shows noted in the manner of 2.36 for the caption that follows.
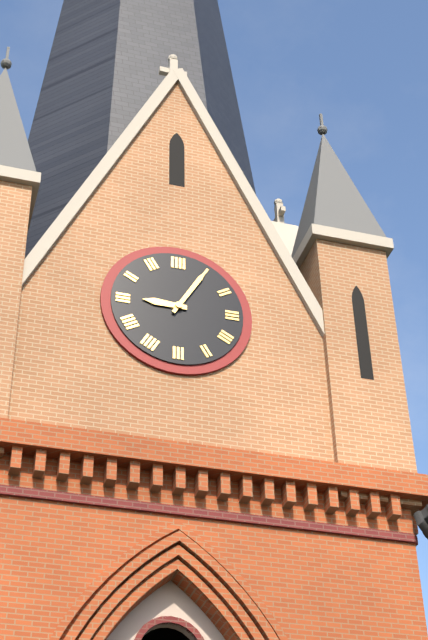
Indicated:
9.05
